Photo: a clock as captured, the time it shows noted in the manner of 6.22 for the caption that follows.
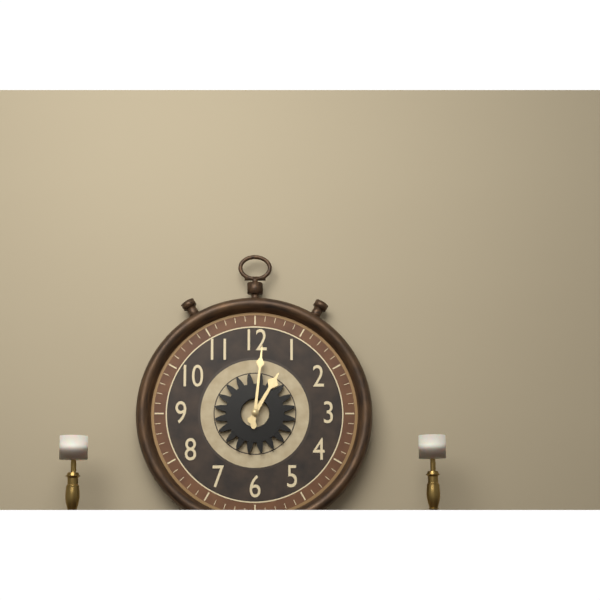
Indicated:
1.01
